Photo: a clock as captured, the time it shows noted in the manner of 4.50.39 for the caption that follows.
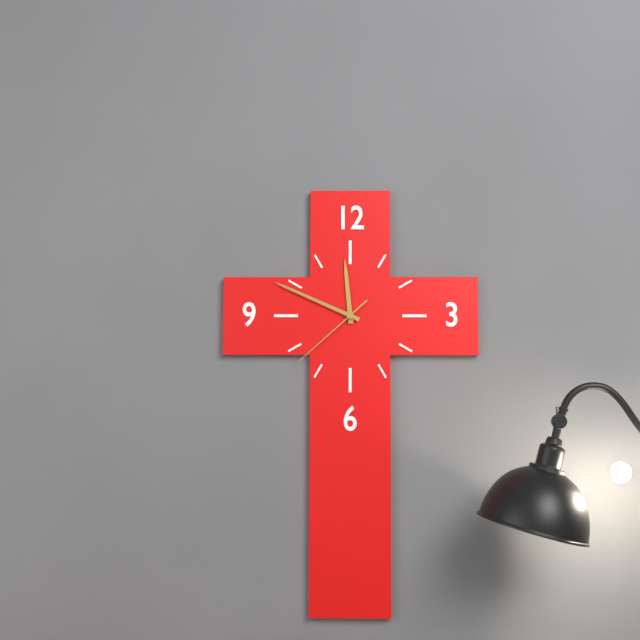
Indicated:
11.49.38
